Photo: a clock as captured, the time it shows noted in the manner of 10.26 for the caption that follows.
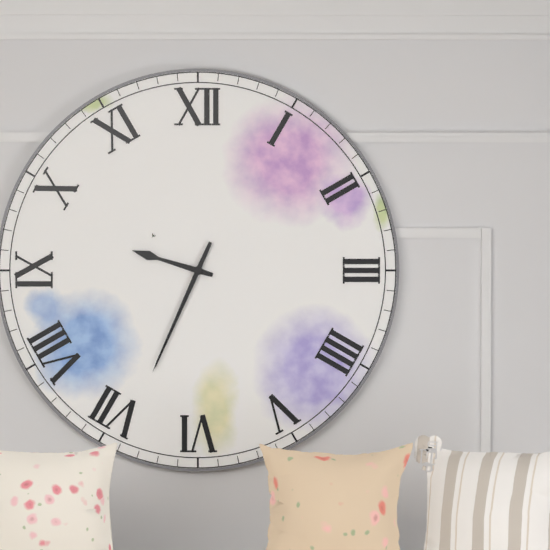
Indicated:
9.34
